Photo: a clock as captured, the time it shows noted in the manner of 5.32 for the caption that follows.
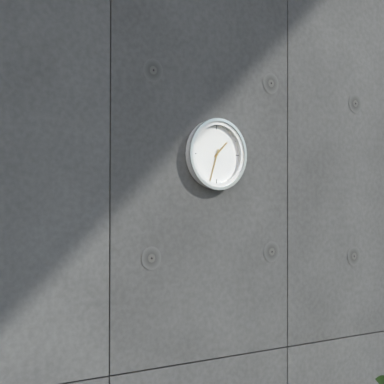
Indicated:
1.33
